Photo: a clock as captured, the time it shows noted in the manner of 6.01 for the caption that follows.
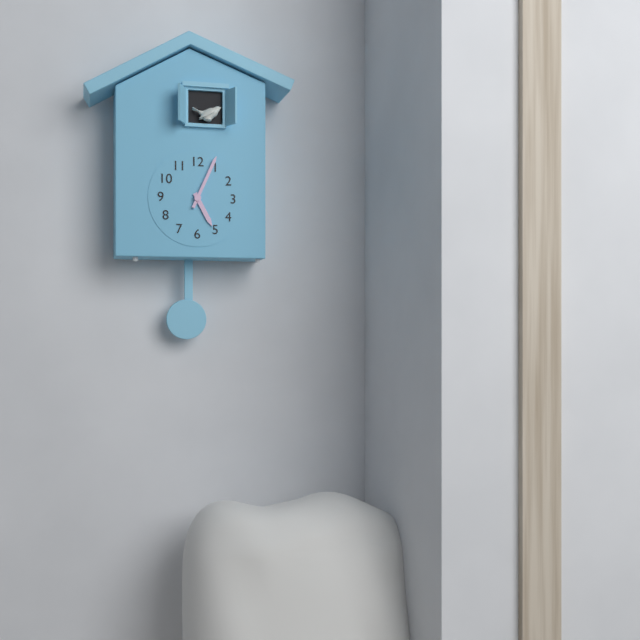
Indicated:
5.04
